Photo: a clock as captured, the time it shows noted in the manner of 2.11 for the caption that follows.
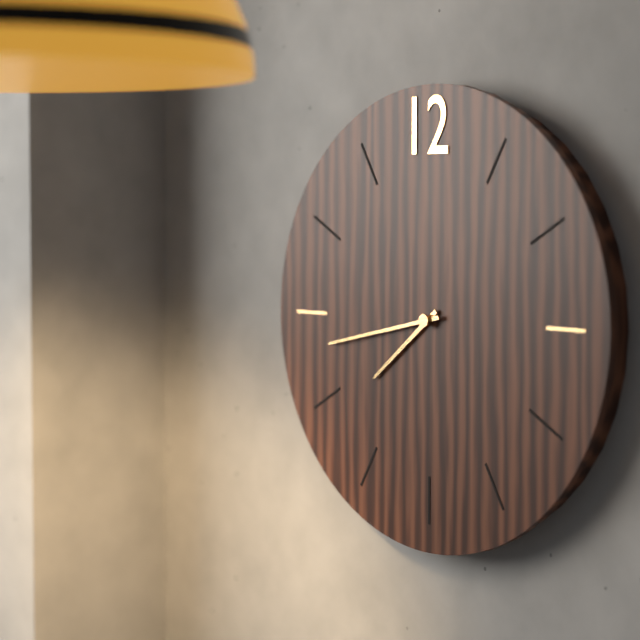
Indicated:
7.43
